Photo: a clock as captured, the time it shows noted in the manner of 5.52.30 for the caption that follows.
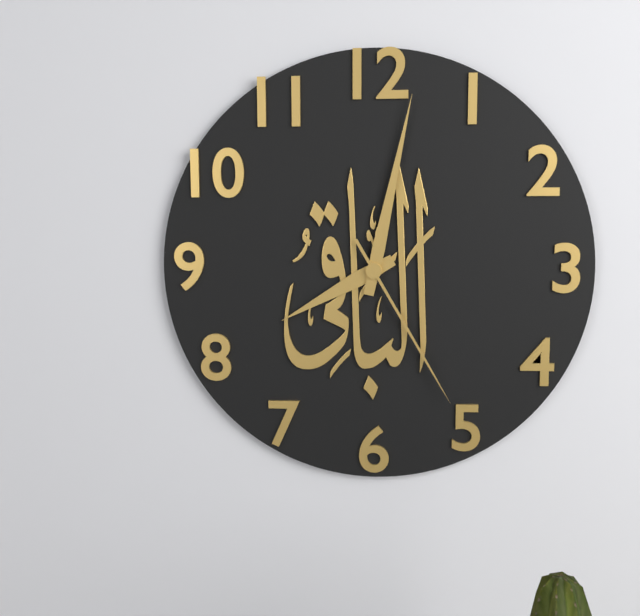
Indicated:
8.02.25
